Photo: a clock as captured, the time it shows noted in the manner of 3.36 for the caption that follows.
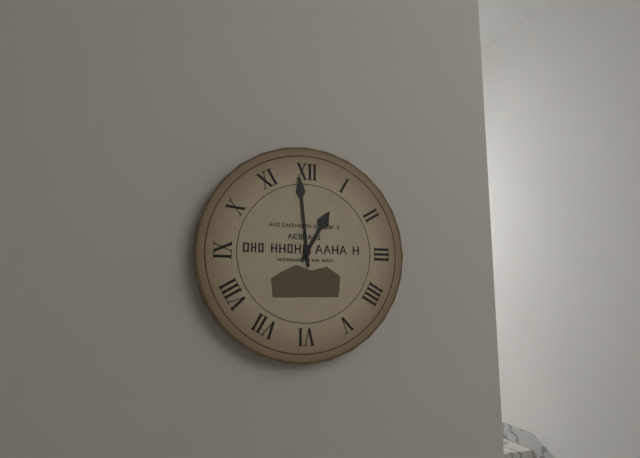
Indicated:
12.59
